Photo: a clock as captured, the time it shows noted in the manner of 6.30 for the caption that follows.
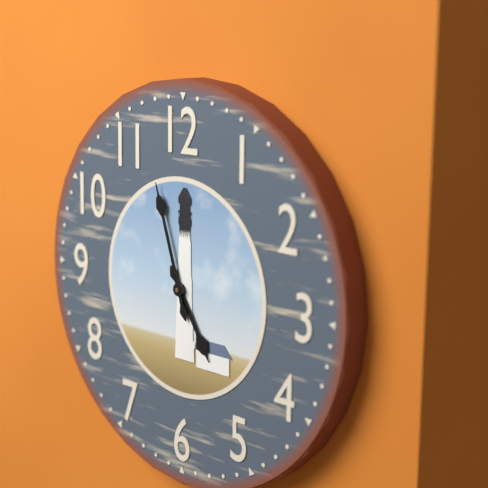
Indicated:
4.57
